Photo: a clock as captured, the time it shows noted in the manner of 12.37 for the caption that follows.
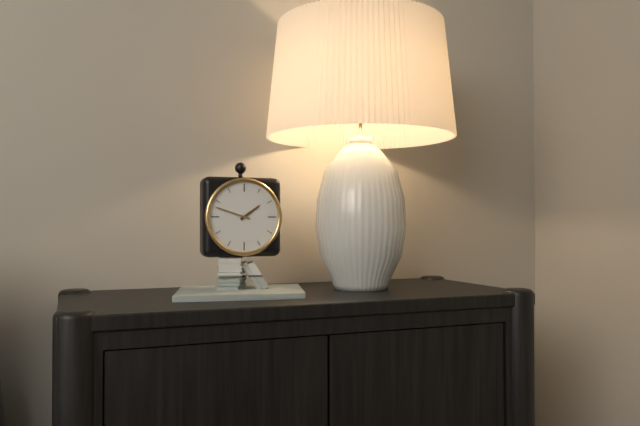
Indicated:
1.48
